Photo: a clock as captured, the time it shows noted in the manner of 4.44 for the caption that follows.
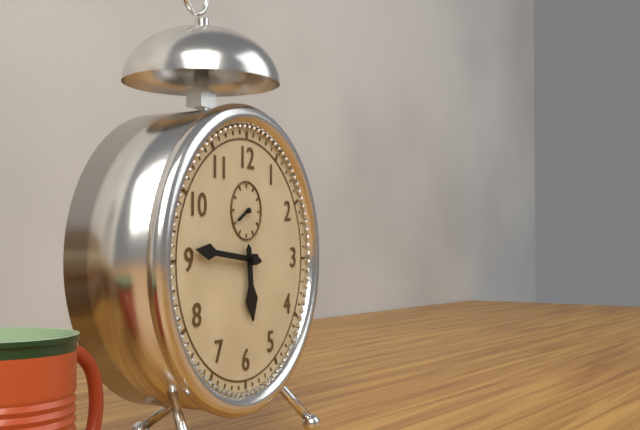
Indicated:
5.46
